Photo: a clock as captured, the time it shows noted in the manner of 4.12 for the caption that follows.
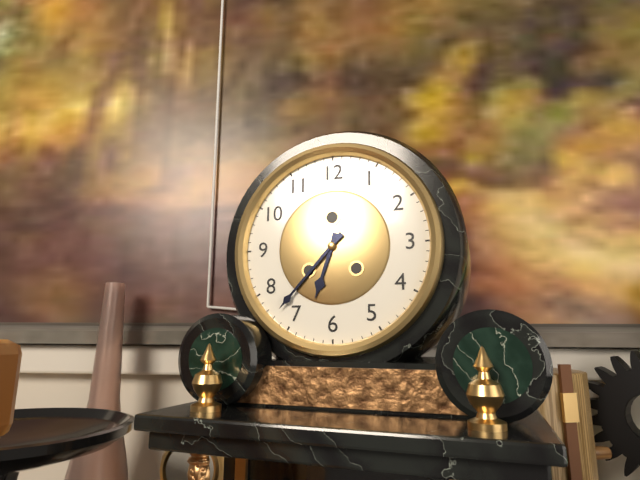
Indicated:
6.37
